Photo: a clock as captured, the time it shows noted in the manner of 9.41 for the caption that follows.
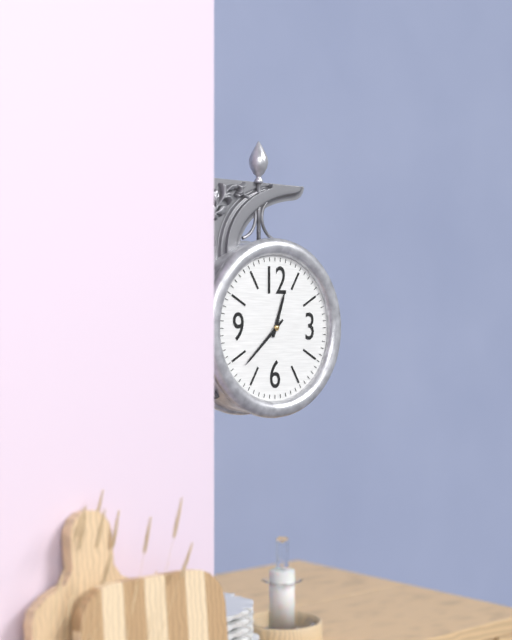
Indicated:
12.38
